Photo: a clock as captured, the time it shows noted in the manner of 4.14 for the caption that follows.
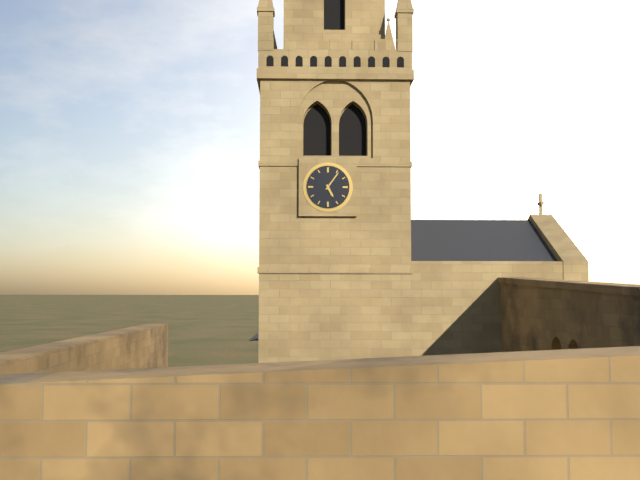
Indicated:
5.06
